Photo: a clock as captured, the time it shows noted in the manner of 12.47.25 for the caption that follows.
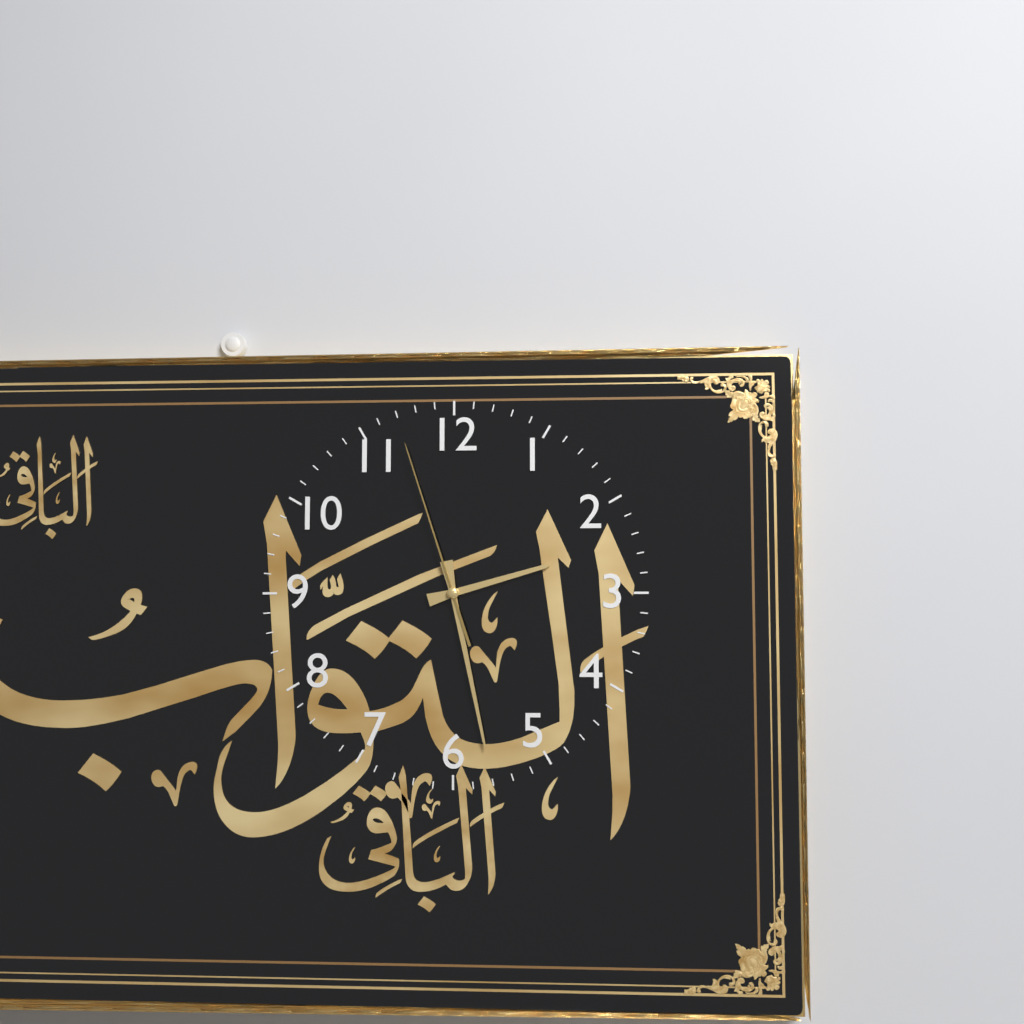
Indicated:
2.28.57
